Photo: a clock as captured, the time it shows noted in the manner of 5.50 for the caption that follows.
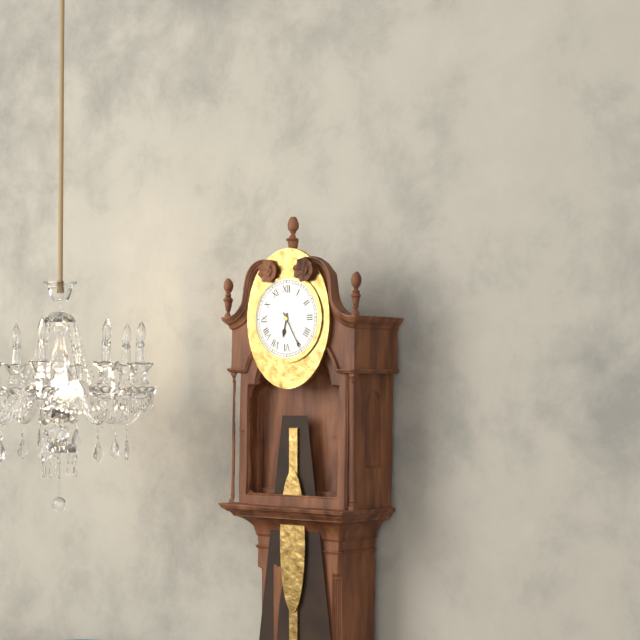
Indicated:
6.25
